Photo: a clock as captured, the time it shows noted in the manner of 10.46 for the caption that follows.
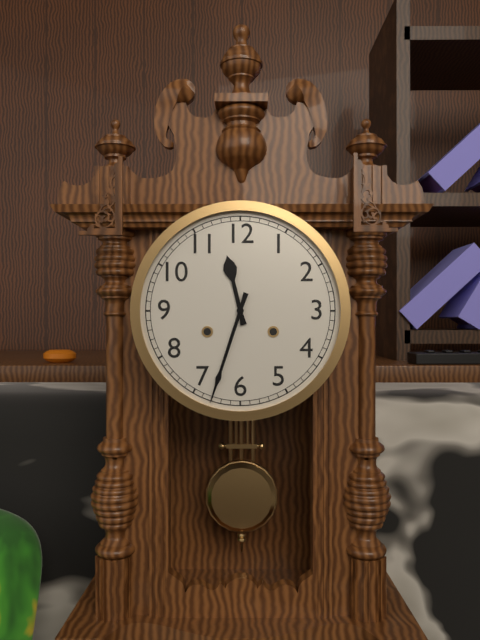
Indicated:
11.33
